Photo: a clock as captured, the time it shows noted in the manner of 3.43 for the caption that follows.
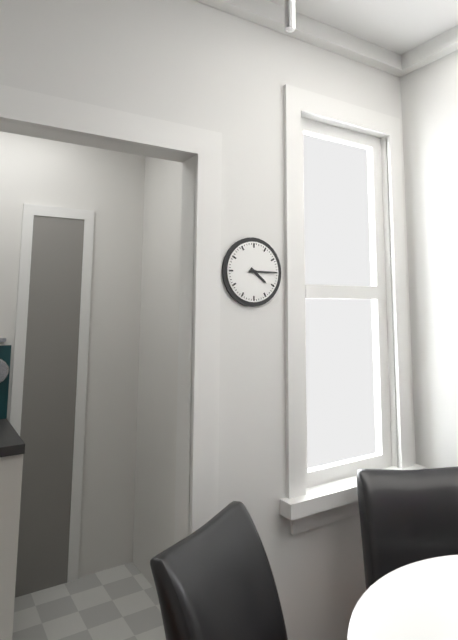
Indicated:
4.15
